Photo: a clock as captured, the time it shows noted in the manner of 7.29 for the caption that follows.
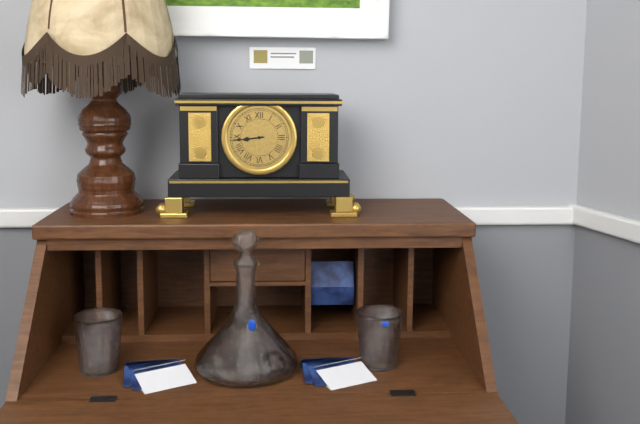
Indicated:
8.44
